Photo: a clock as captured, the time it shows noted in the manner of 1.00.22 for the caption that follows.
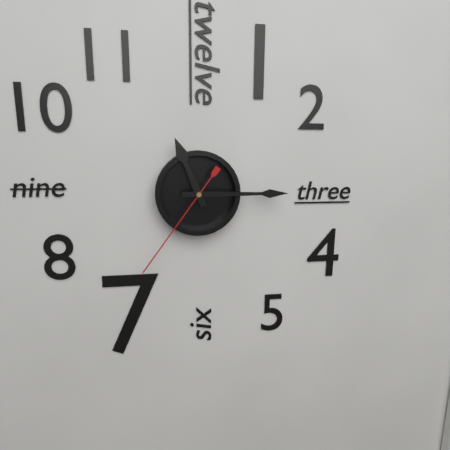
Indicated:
11.15.36
